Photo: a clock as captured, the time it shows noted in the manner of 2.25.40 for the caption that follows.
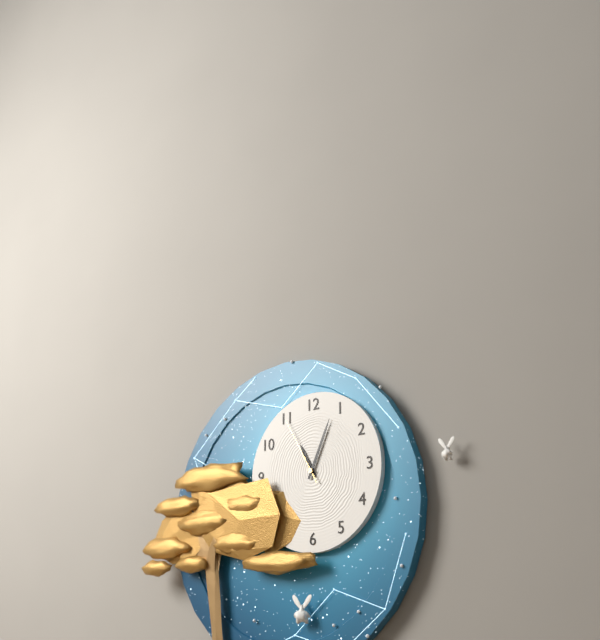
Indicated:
11.04.55
